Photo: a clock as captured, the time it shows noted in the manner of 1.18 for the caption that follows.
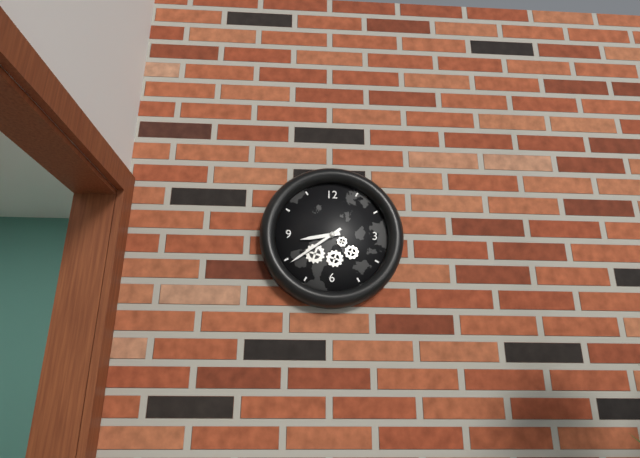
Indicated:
8.39
